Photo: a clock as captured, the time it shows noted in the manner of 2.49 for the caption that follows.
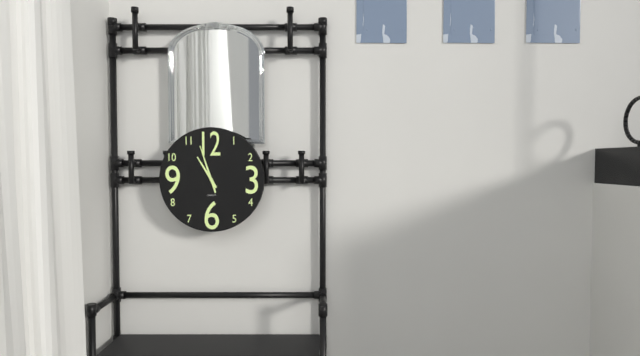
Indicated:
10.57
